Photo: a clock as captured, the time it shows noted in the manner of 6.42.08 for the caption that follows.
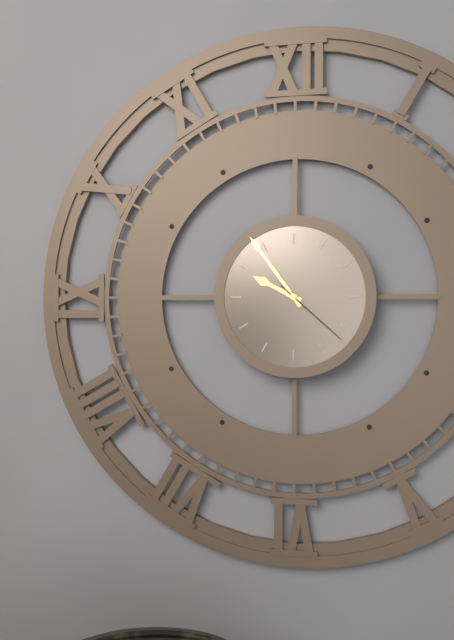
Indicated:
9.54.22
